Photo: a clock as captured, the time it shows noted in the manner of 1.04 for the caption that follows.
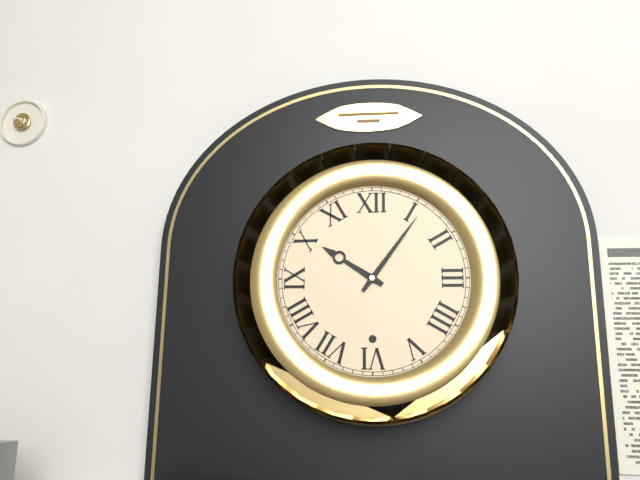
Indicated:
10.06
